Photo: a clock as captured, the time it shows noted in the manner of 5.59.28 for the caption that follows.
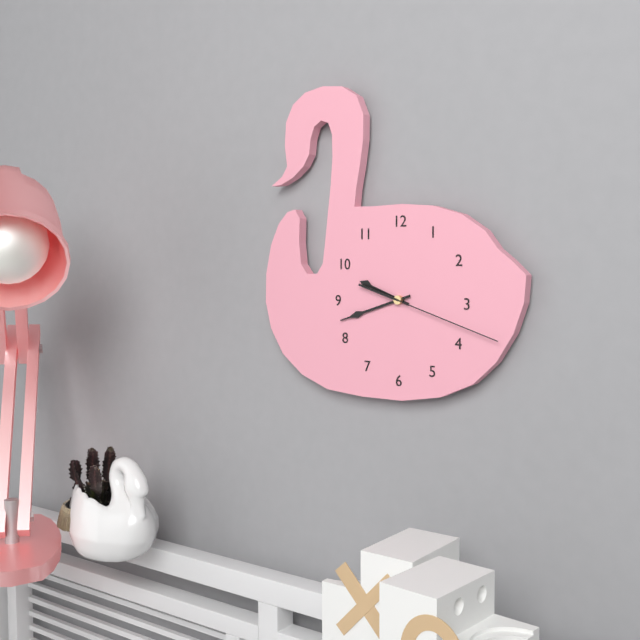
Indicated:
9.42.18
